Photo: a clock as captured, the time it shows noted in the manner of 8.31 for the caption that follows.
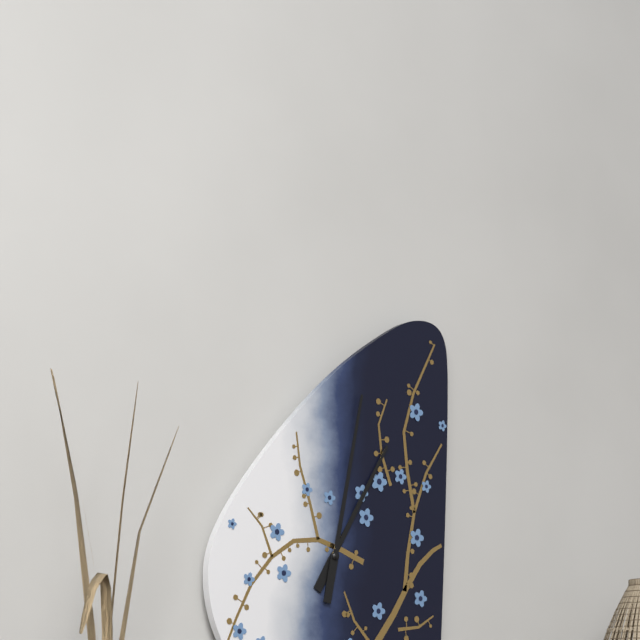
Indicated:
1.02
